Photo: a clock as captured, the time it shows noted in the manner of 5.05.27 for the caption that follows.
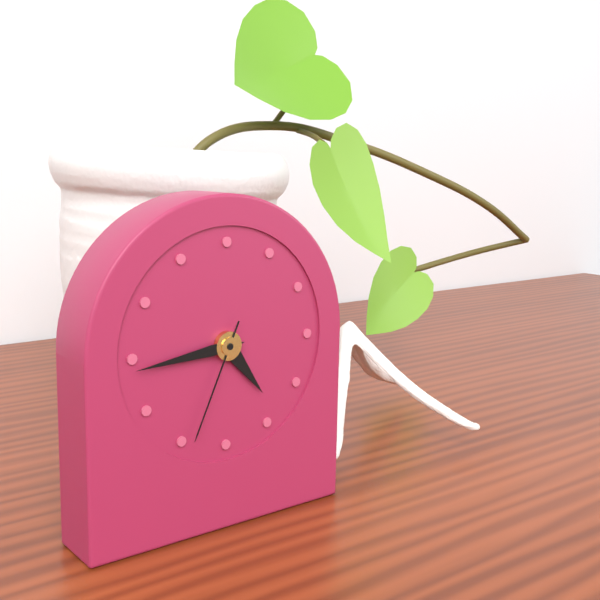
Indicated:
4.44.34
